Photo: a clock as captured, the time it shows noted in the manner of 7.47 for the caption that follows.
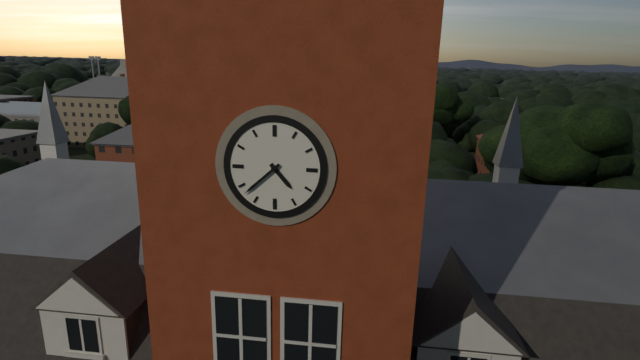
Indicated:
4.38
